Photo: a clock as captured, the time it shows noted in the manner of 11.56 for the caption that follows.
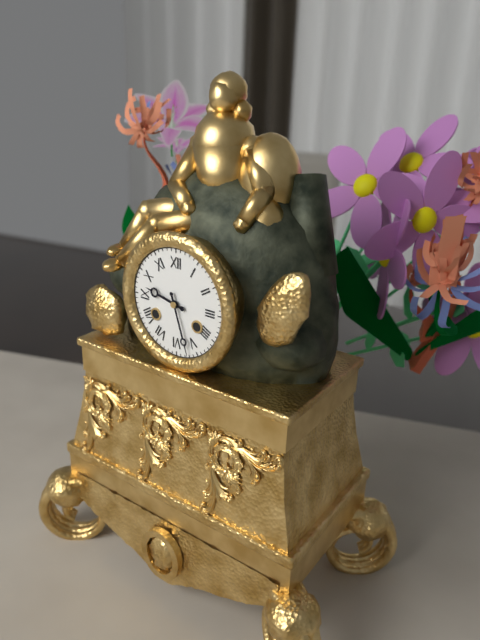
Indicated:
9.27
